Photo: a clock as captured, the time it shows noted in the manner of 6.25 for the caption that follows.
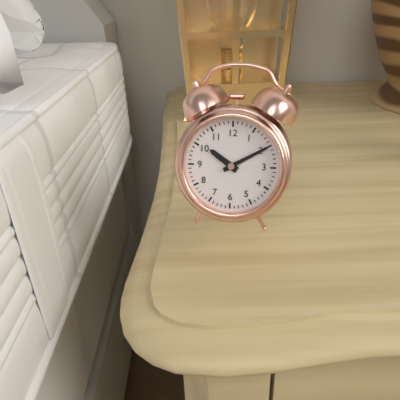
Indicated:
10.10
